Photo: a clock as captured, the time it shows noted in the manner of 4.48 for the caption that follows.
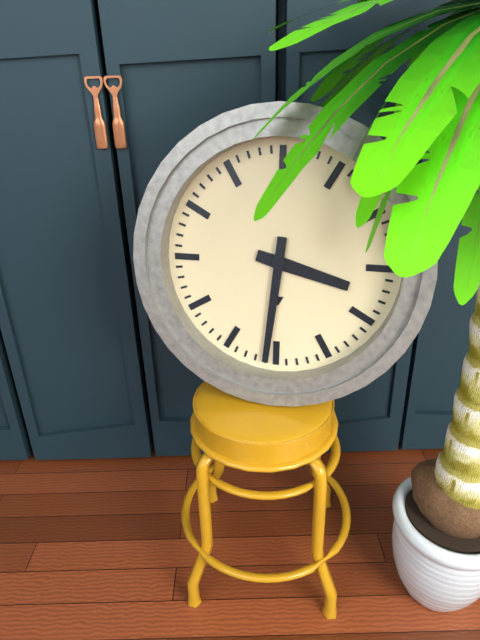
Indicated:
3.31
